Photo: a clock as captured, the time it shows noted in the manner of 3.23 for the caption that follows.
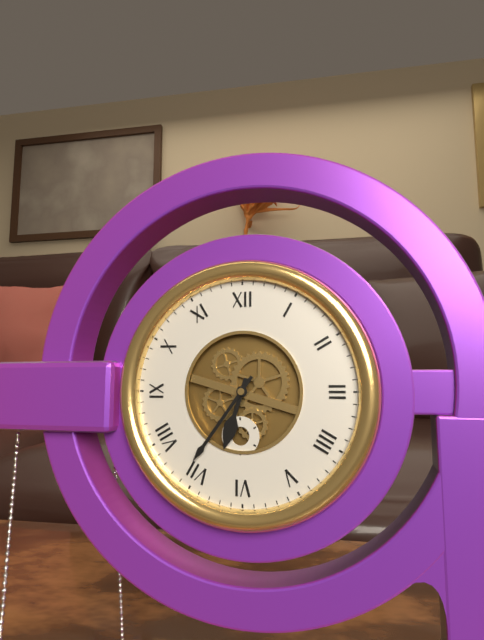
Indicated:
6.36
